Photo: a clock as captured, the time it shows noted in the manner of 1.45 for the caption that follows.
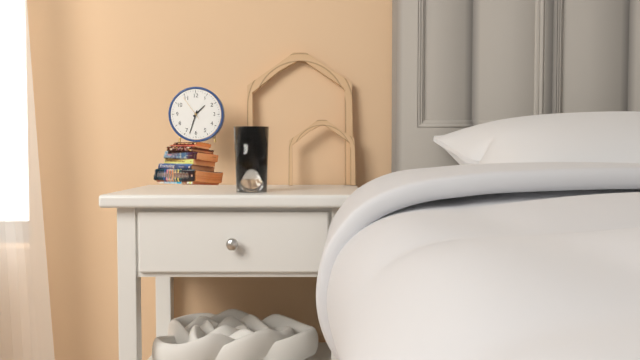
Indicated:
1.33
